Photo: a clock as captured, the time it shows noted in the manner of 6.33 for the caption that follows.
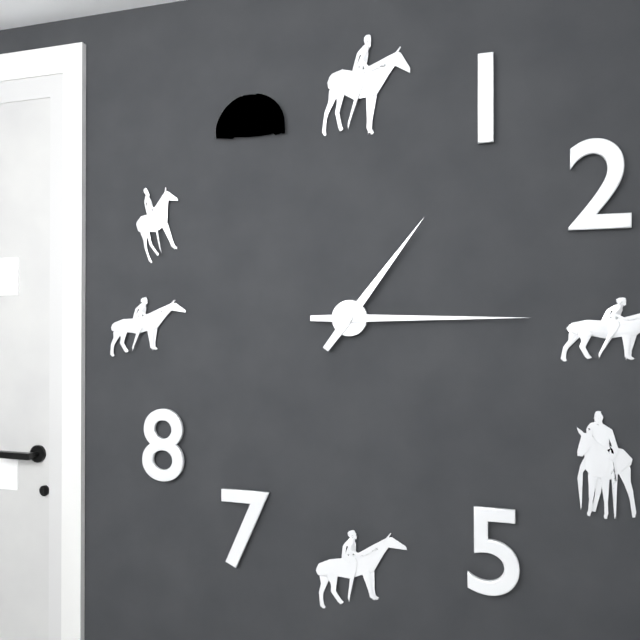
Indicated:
1.15
